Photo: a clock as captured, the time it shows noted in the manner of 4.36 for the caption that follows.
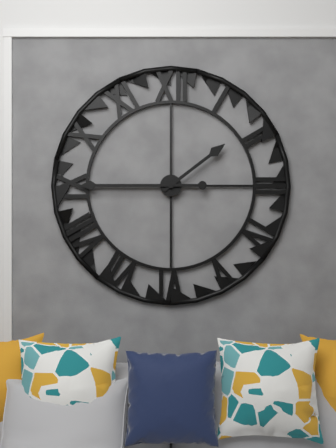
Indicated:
1.45
